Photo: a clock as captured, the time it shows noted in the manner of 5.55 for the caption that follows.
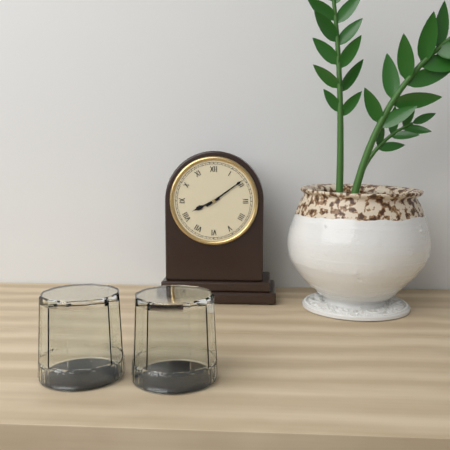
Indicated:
8.09
